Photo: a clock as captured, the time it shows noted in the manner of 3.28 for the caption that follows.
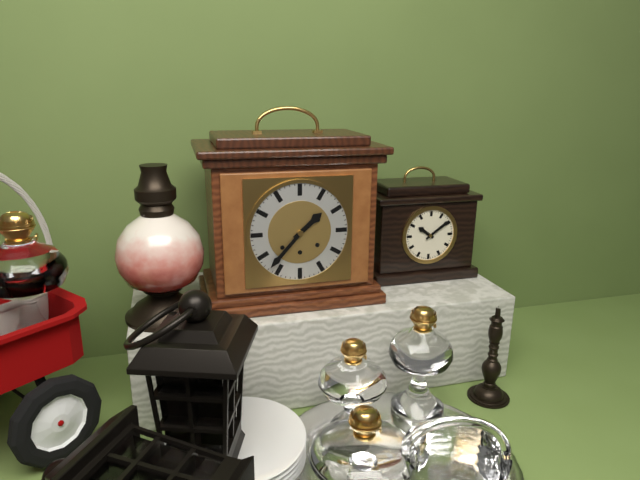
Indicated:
1.37
